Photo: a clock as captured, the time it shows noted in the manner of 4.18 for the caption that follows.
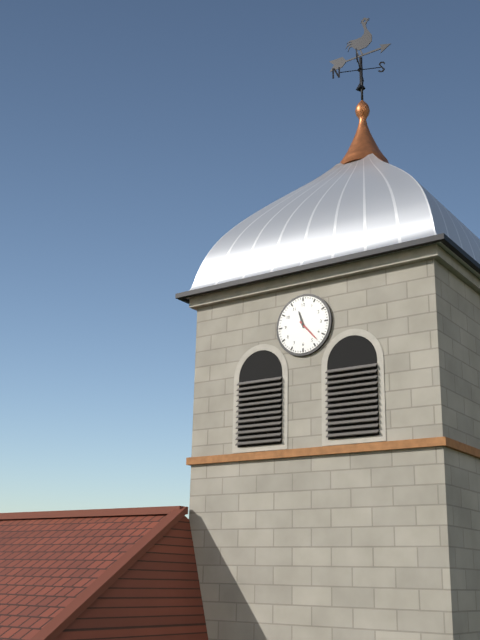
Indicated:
11.23
